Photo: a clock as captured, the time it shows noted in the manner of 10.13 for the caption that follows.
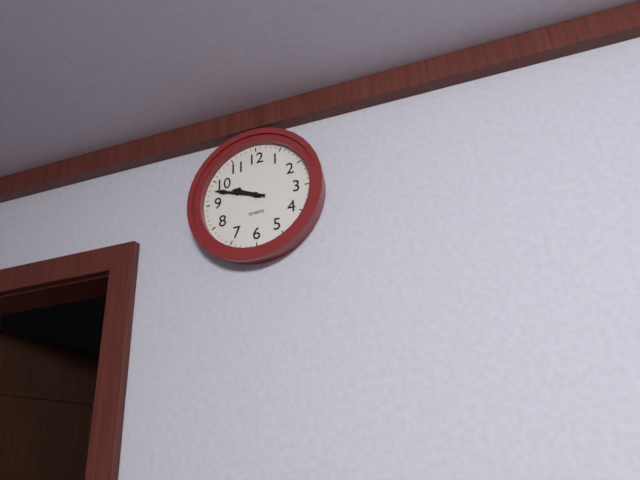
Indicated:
9.48
